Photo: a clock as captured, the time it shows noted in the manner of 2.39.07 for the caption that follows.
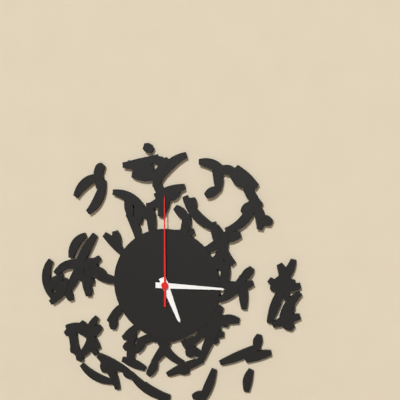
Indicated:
5.15.00
